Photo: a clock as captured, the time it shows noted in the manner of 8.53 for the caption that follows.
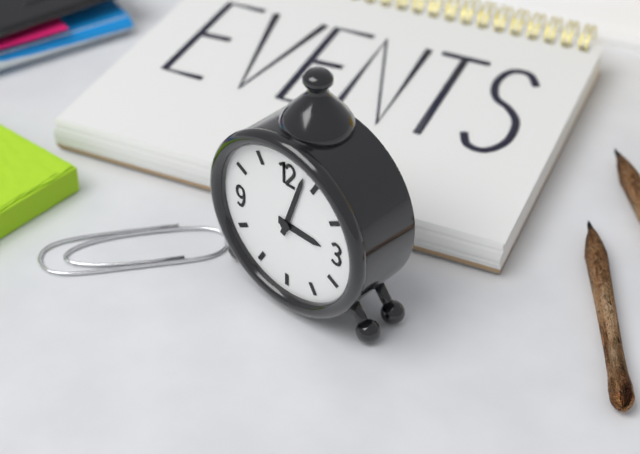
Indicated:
3.03
